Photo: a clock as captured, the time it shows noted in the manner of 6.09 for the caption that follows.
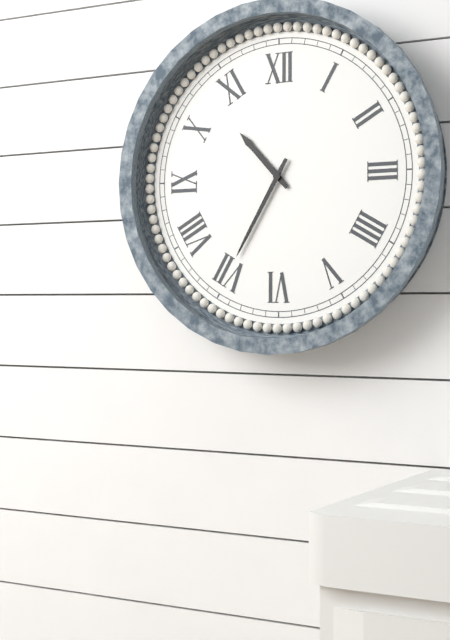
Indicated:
10.35
